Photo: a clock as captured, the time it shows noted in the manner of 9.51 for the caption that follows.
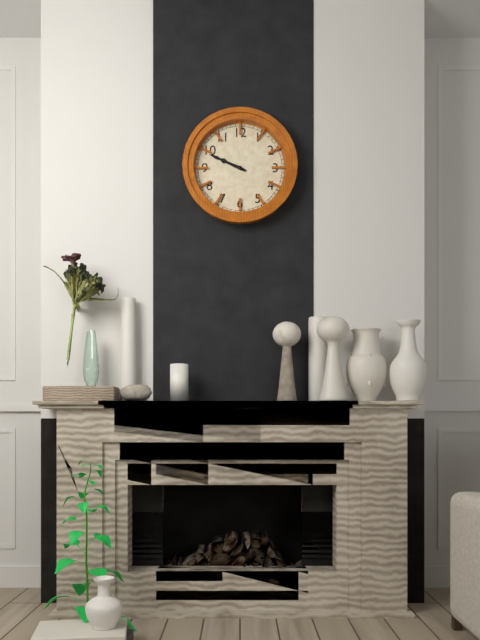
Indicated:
9.49
